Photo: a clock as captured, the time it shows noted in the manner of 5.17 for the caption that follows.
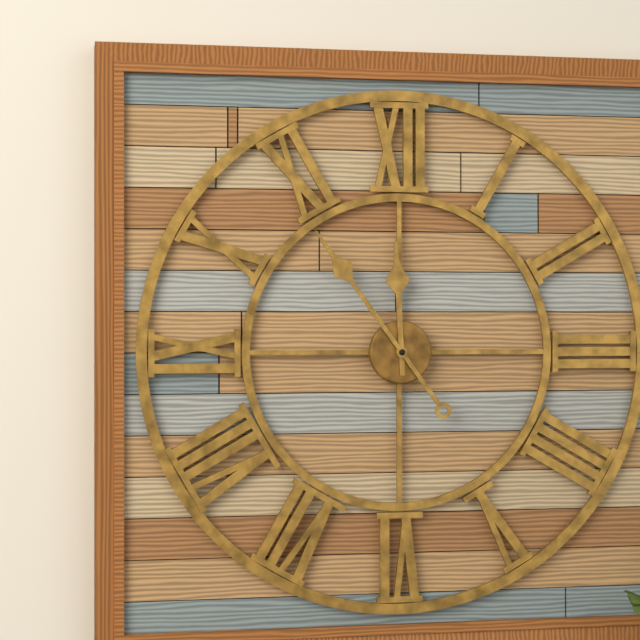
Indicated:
11.54
